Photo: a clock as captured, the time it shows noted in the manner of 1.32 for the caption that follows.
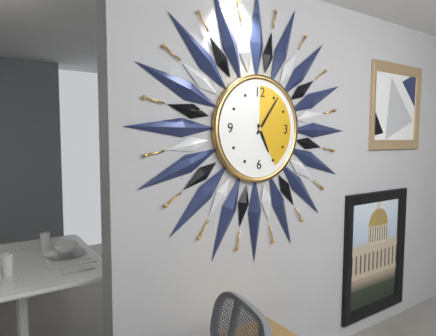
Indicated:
5.06
